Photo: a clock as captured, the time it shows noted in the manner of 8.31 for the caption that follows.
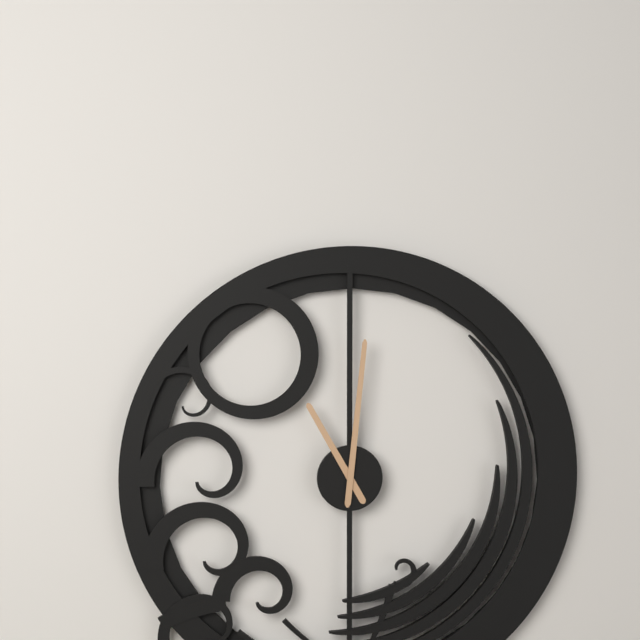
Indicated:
11.01
